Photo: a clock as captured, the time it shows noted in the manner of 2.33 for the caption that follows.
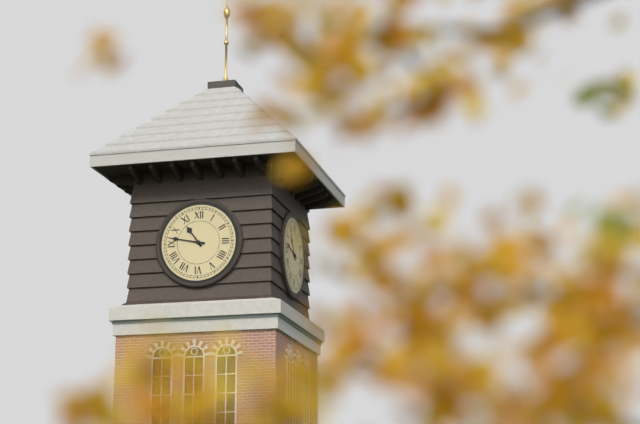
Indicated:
10.47
